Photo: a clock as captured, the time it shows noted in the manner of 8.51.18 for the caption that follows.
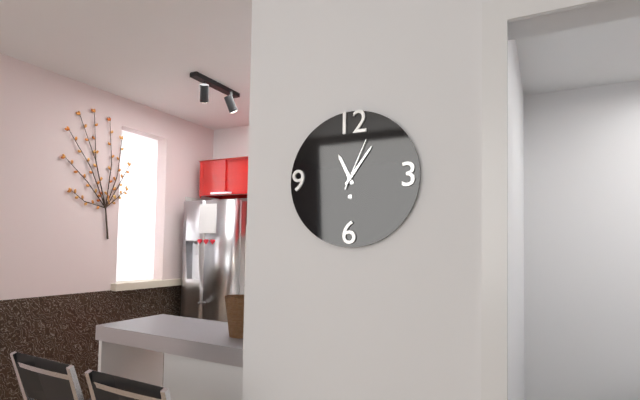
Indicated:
11.06.04
